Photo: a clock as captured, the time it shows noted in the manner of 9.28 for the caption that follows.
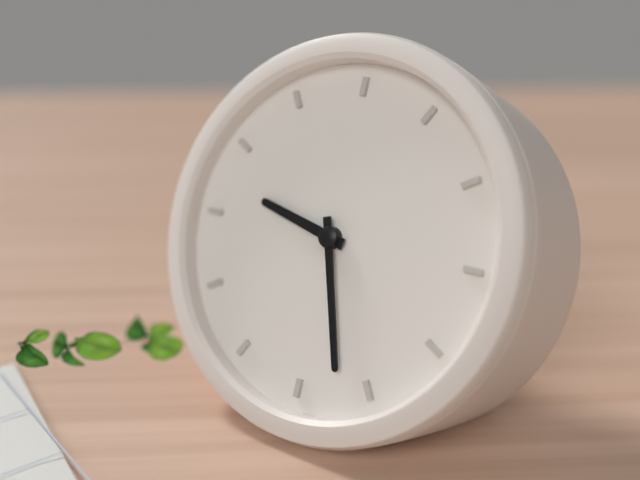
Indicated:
9.27
